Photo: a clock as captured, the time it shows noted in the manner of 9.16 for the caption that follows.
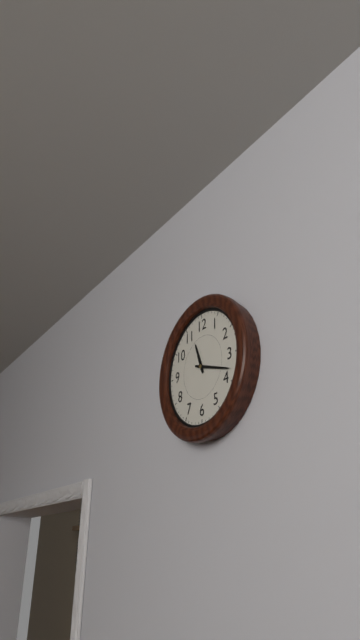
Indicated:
11.18
